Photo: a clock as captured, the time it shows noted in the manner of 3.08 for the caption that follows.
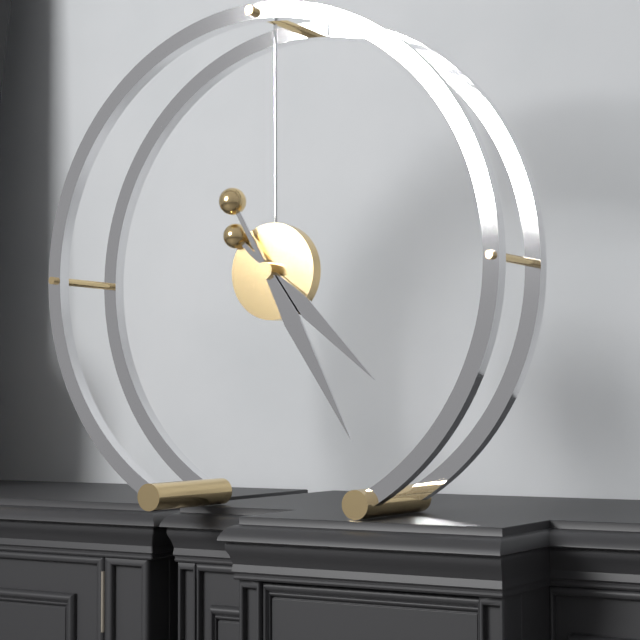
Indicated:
4.25
